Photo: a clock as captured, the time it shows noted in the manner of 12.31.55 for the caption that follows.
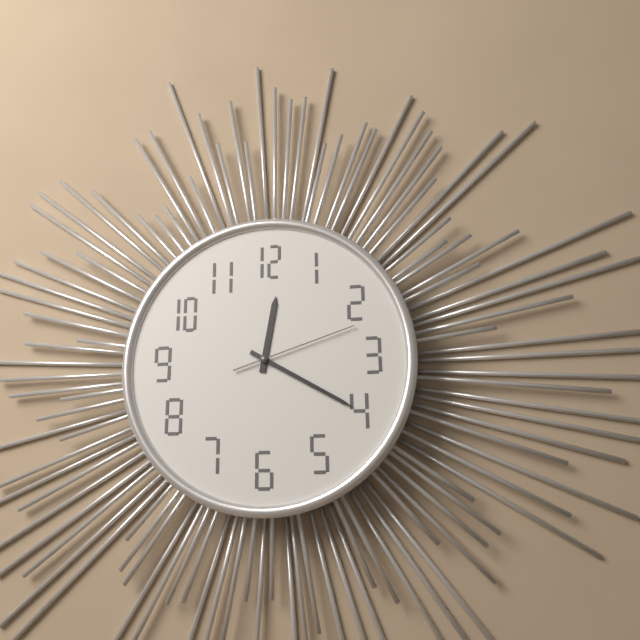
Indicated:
12.20.12
